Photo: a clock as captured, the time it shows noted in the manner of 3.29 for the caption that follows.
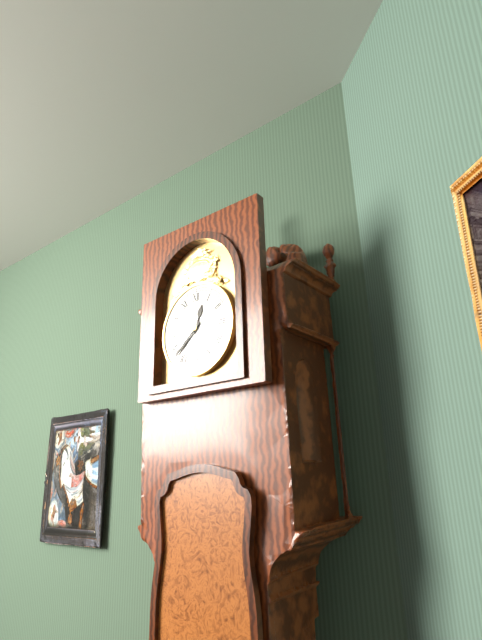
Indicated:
12.38
